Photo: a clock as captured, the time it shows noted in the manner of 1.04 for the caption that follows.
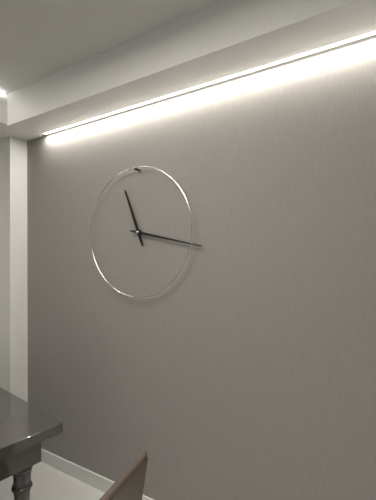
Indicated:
11.17
